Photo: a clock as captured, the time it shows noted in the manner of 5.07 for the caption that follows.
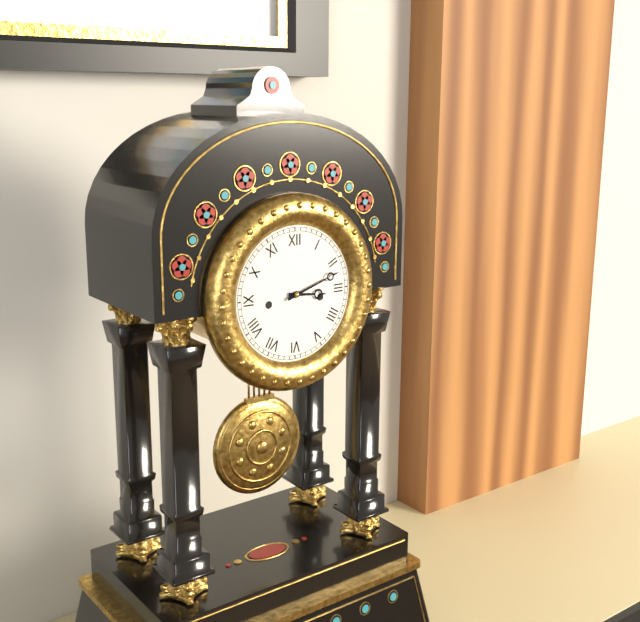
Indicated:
3.12
